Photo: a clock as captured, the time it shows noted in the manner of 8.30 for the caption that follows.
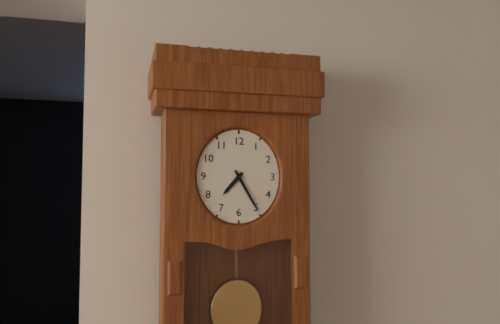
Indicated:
7.25
